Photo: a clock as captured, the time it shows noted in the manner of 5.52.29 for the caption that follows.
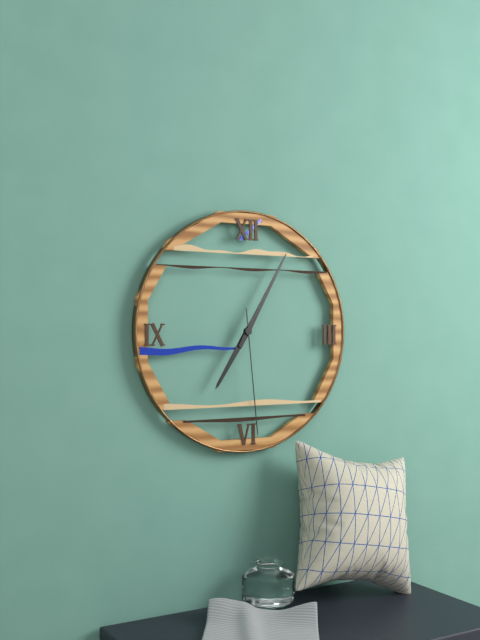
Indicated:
7.05.29
